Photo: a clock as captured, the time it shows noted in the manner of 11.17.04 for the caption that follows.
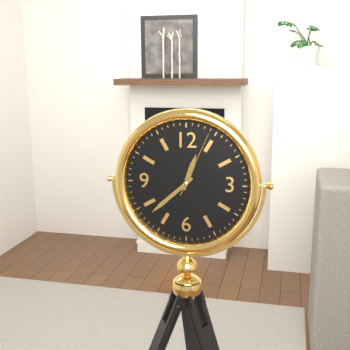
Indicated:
12.38.04
